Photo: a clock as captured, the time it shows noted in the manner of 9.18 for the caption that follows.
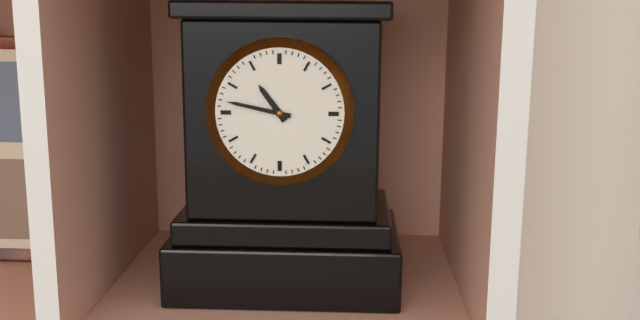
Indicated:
10.47
